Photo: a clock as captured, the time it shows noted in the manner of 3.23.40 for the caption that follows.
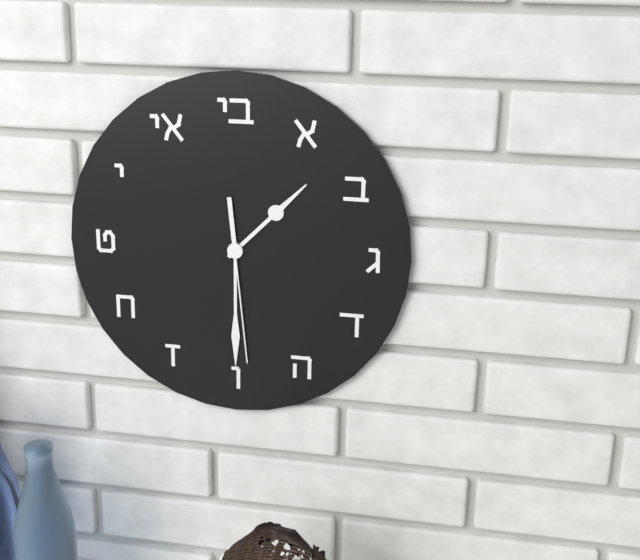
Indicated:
1.30.29
